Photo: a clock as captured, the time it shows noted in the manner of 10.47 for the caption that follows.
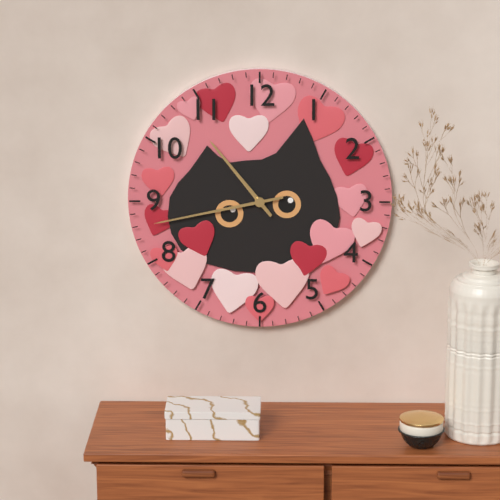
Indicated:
10.43
